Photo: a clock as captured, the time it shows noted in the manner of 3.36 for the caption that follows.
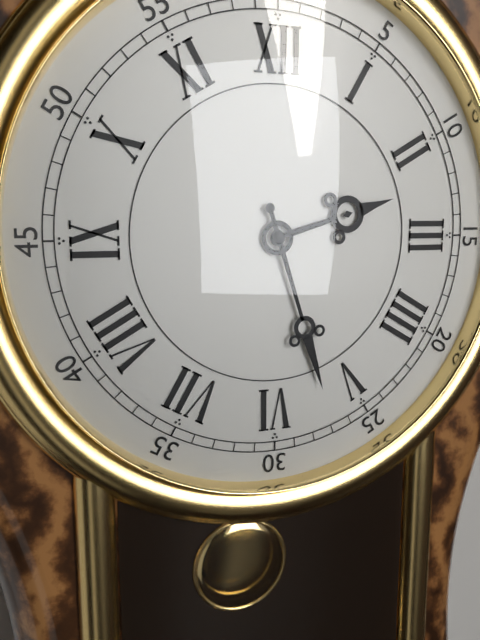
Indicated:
2.27
